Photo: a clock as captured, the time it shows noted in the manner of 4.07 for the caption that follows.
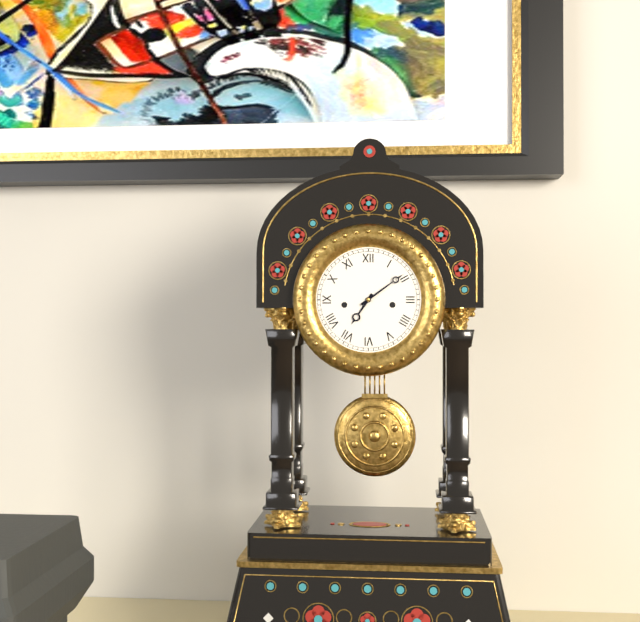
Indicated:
7.09
